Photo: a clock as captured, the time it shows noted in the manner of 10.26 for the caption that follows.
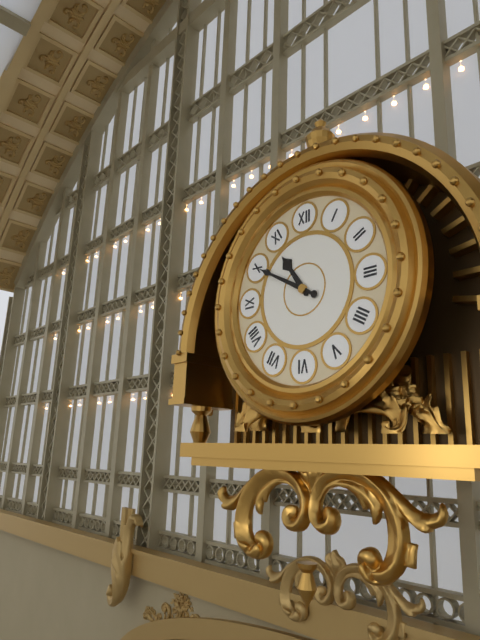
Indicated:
10.50
